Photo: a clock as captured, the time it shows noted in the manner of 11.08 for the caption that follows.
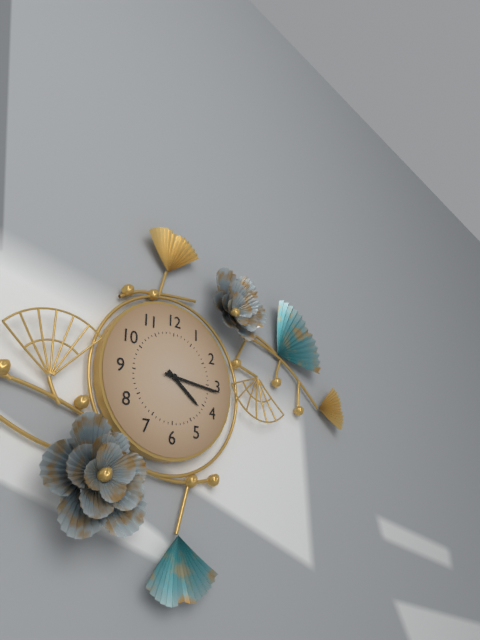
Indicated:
4.16
